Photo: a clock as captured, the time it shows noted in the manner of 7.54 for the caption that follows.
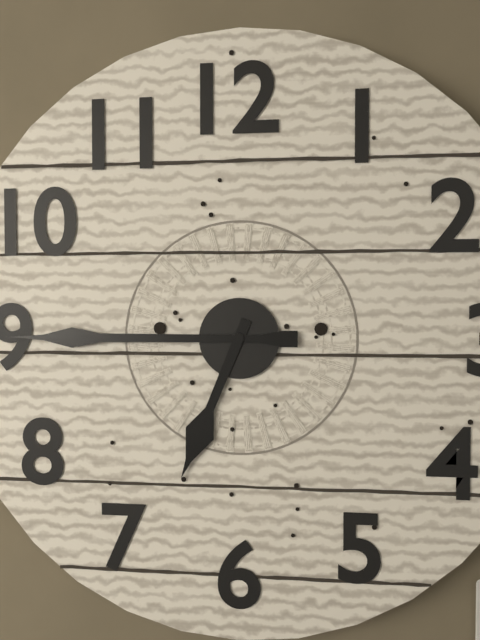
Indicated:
6.45
